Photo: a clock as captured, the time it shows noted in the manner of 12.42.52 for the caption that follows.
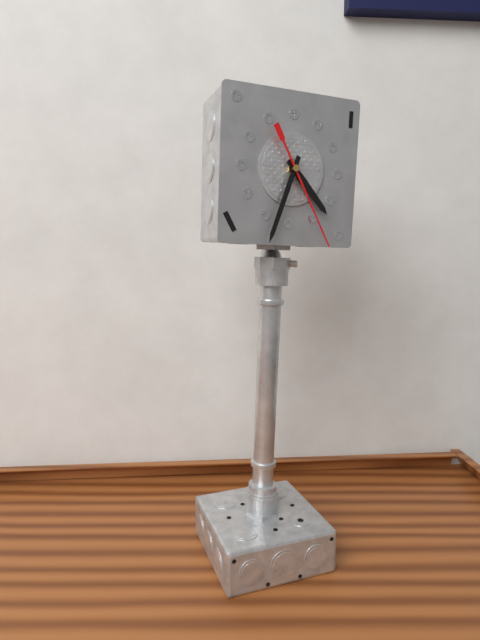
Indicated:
4.33.25
